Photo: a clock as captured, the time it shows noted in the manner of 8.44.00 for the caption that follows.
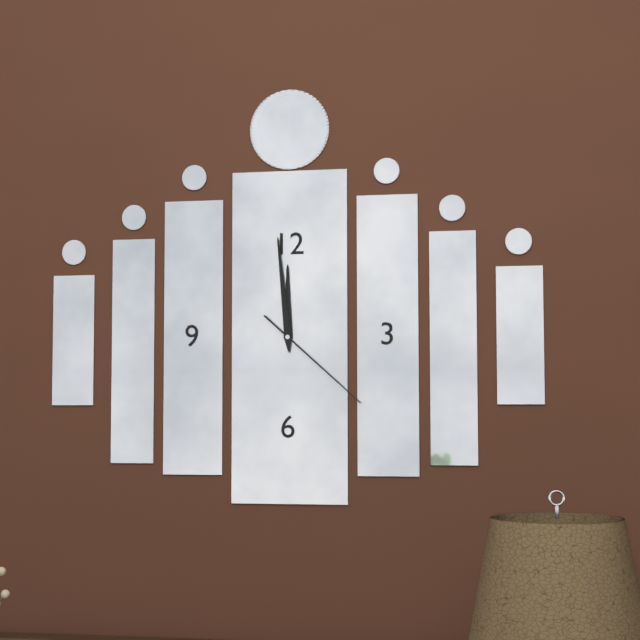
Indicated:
11.59.22
